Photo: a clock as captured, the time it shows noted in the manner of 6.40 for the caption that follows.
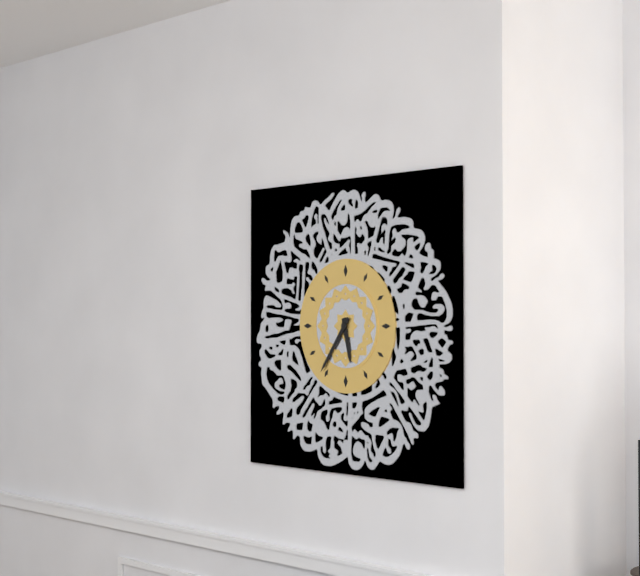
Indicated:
5.36
